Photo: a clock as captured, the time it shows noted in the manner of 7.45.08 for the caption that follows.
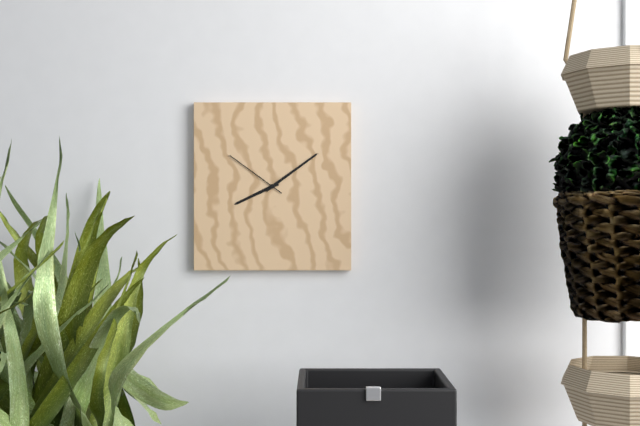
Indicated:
8.09.51
